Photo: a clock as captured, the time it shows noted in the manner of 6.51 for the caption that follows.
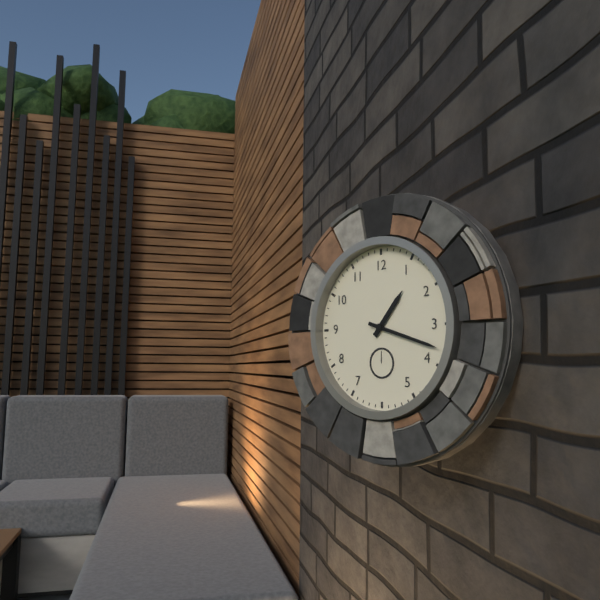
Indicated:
1.18
